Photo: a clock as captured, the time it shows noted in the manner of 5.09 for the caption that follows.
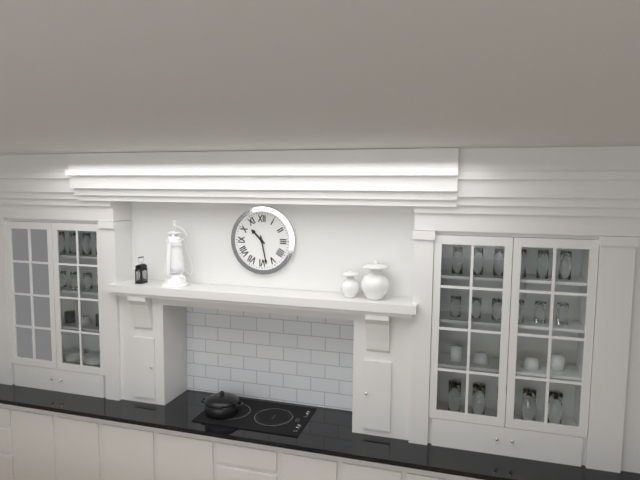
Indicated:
10.28
